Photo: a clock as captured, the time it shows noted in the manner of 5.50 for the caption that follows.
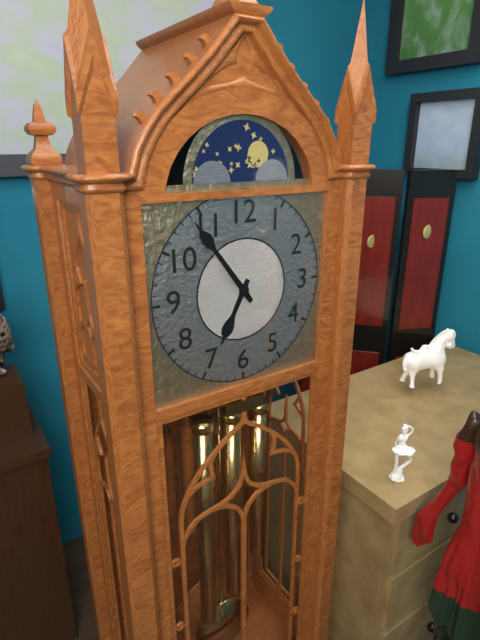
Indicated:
6.54
